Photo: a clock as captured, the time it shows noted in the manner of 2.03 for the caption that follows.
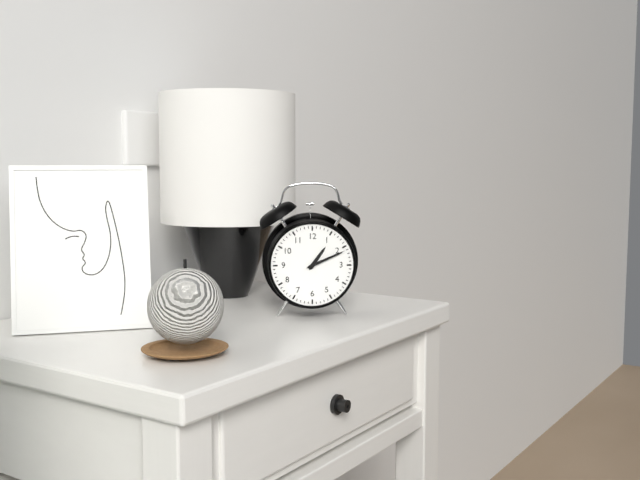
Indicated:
1.11
